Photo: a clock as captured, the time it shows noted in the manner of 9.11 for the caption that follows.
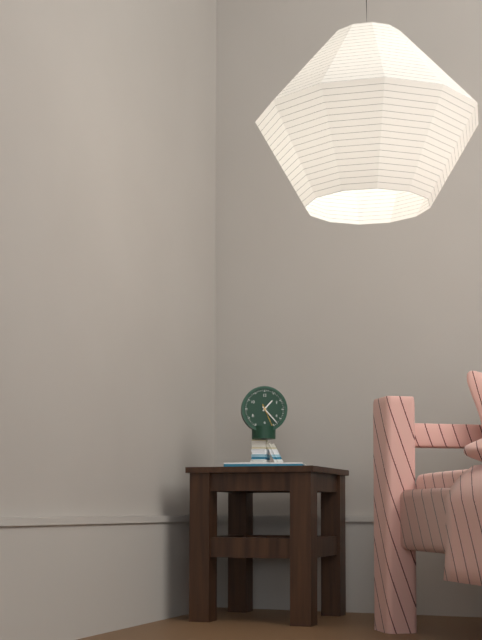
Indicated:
1.23
